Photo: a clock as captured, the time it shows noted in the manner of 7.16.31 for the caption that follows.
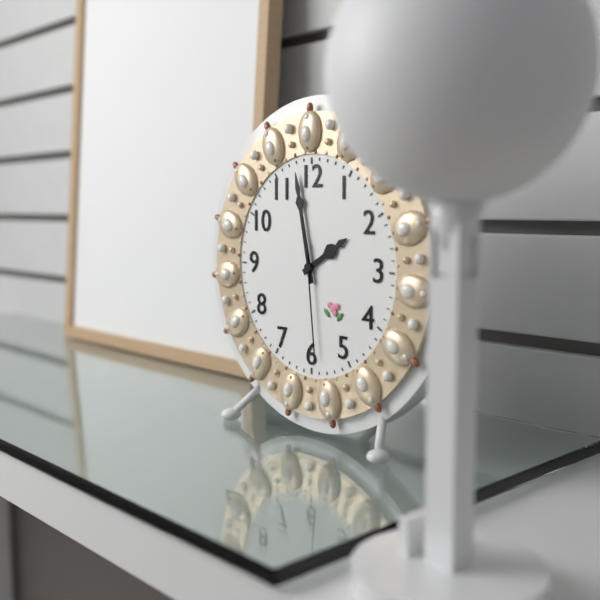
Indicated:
1.58.29
